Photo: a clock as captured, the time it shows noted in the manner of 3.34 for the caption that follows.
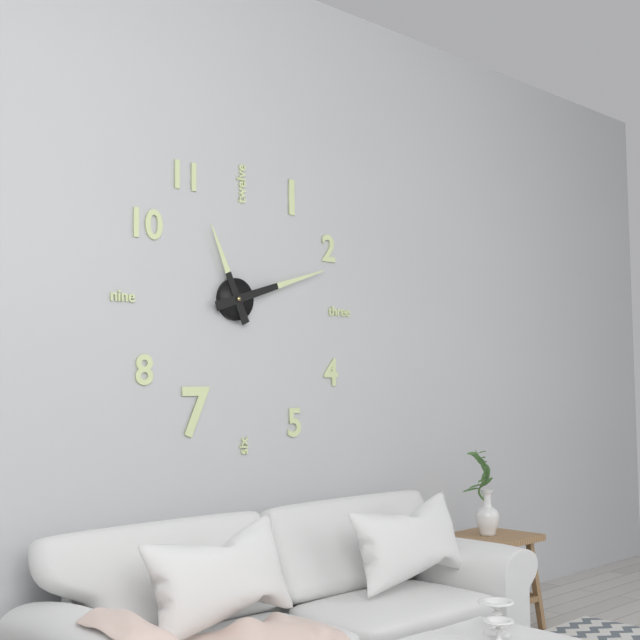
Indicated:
11.12
